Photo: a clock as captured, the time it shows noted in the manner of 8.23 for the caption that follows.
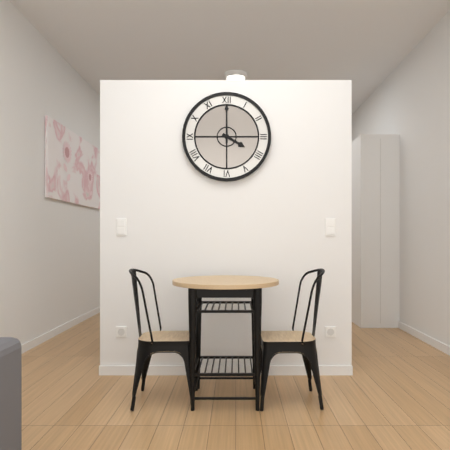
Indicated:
4.00
